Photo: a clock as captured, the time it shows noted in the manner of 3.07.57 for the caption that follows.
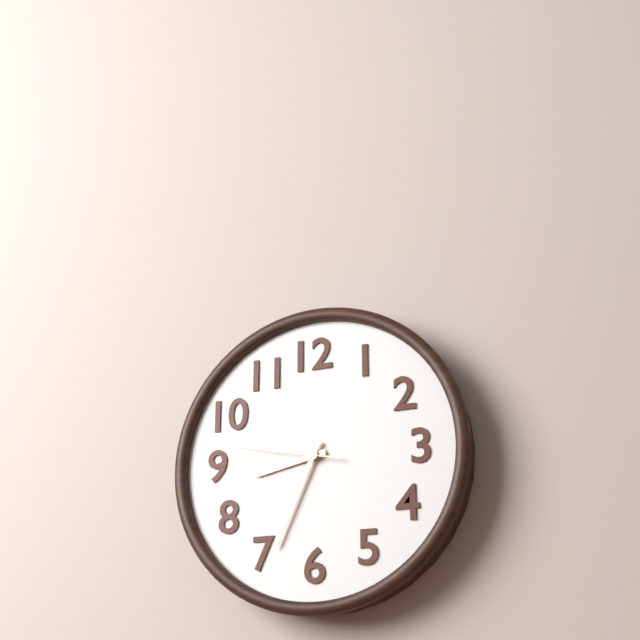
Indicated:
8.34.47
